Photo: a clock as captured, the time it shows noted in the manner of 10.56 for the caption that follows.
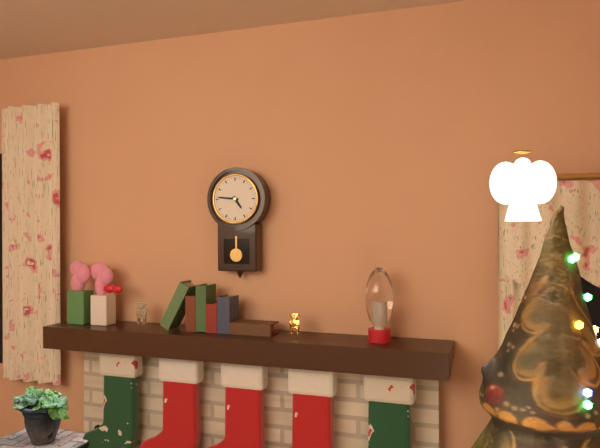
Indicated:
4.46
